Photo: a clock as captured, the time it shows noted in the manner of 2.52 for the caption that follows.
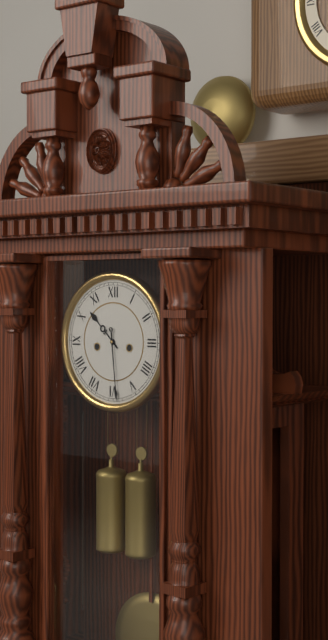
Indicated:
10.29
